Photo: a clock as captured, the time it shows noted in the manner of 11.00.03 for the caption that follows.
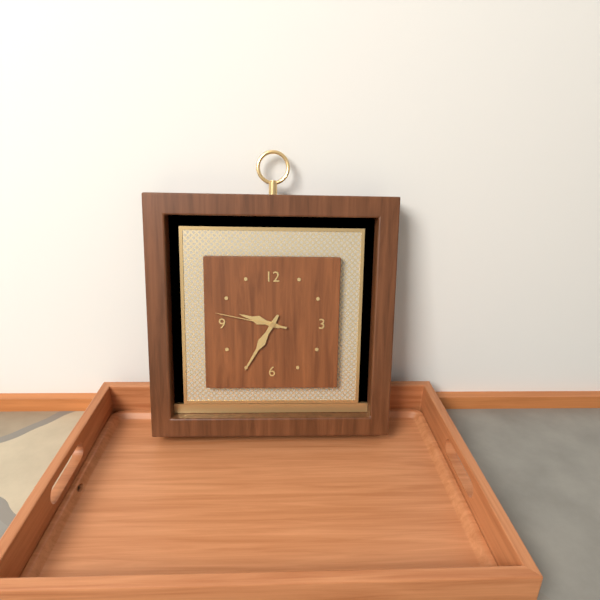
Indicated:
9.35.47
